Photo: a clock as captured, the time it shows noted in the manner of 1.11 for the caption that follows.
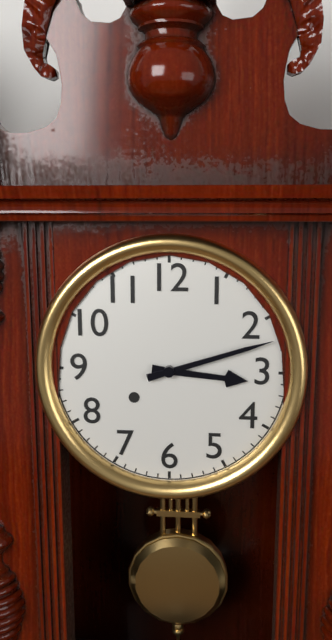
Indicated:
3.12
